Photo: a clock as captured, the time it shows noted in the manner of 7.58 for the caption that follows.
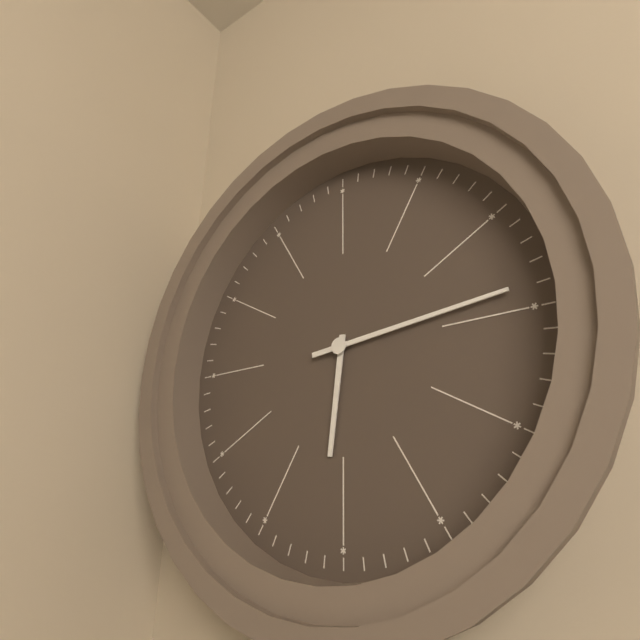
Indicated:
6.14
